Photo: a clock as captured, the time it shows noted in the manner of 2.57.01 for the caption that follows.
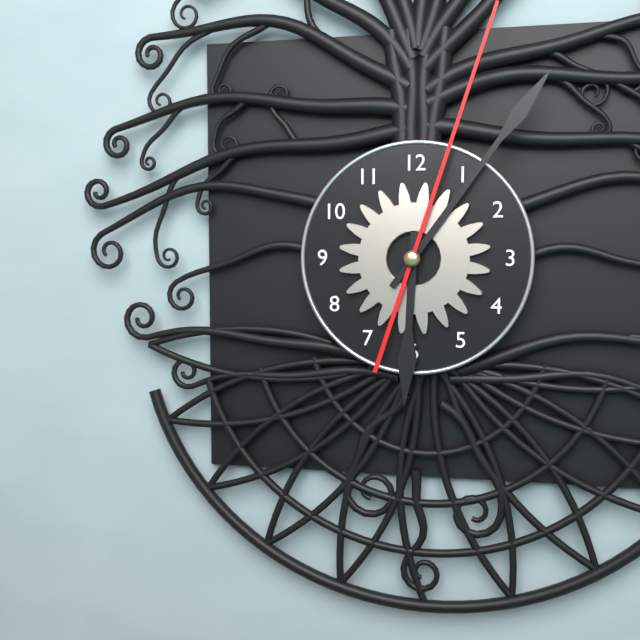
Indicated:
6.06.03
